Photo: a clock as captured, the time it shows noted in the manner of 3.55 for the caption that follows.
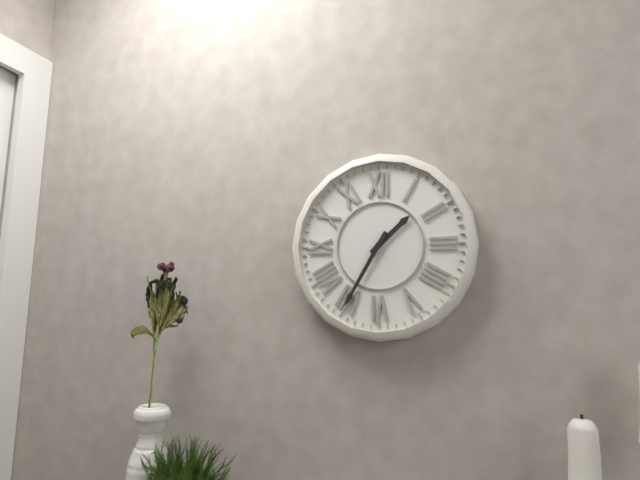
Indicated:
1.35
